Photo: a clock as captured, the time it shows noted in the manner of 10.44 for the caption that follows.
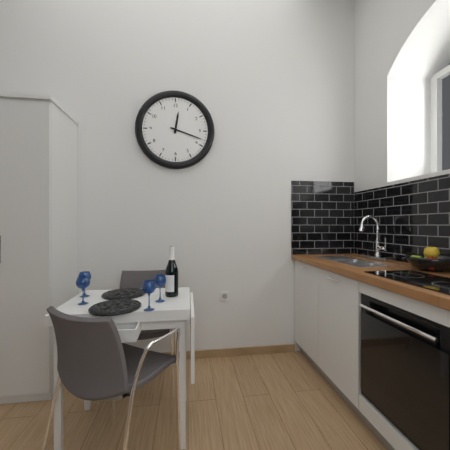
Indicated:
12.18
